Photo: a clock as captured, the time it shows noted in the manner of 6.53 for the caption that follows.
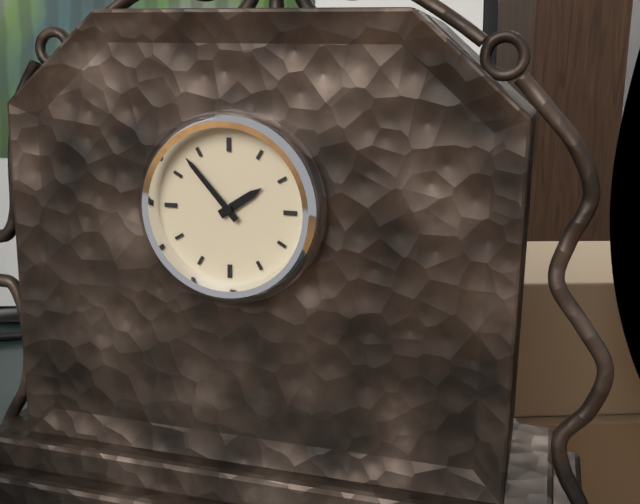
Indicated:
1.53
